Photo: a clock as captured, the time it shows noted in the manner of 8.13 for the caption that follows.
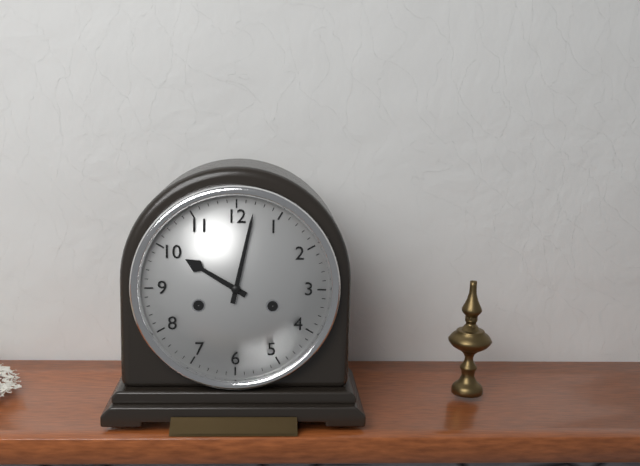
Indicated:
10.02
